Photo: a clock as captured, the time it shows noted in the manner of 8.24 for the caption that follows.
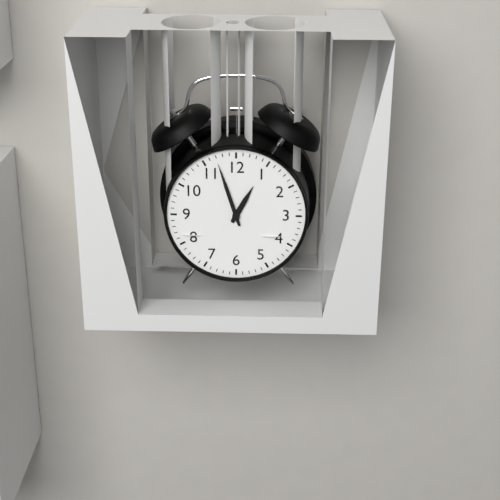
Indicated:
12.57
